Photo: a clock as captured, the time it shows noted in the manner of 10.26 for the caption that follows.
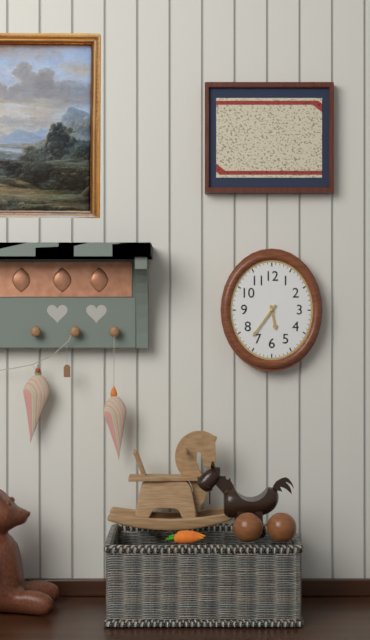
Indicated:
5.36
